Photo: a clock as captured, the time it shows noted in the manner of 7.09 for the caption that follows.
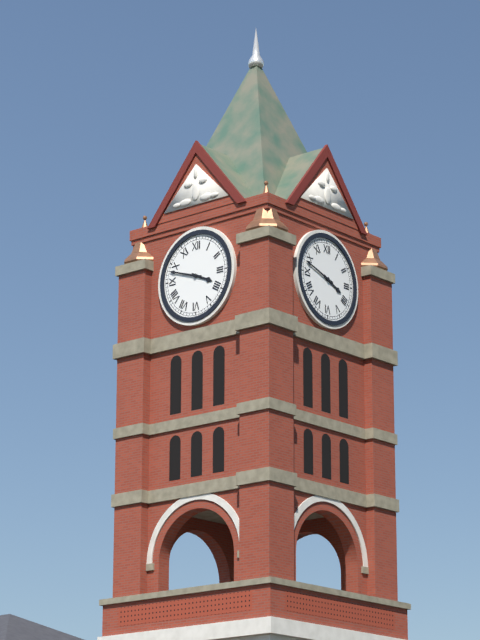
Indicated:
3.48
